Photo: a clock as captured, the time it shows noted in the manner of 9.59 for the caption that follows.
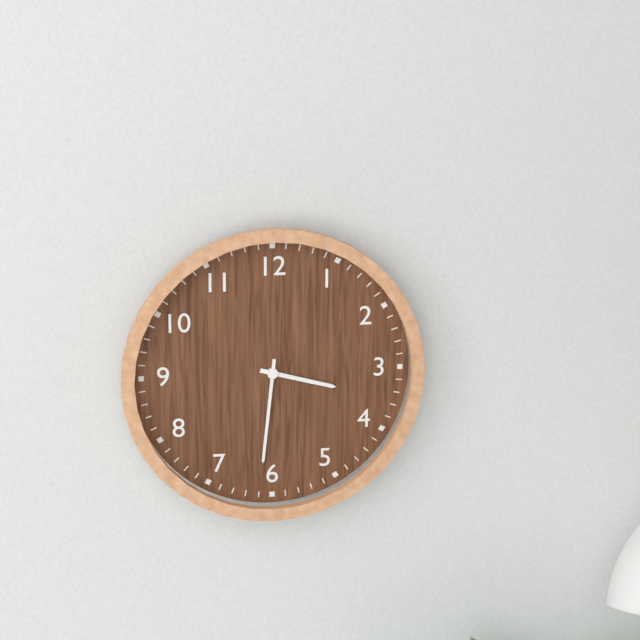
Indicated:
3.31
